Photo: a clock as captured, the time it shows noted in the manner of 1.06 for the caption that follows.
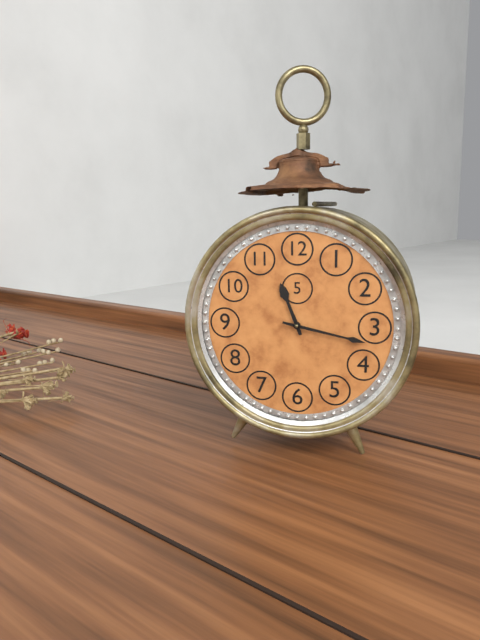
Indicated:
11.17
